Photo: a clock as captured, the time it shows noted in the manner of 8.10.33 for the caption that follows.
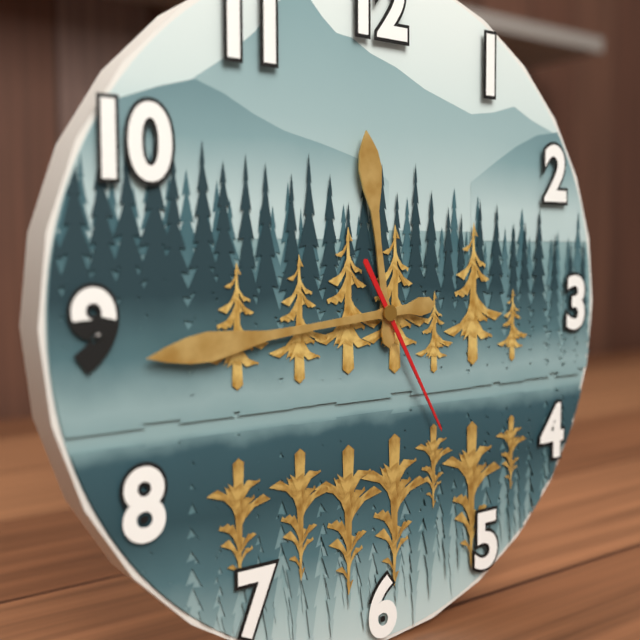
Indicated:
11.44.25
